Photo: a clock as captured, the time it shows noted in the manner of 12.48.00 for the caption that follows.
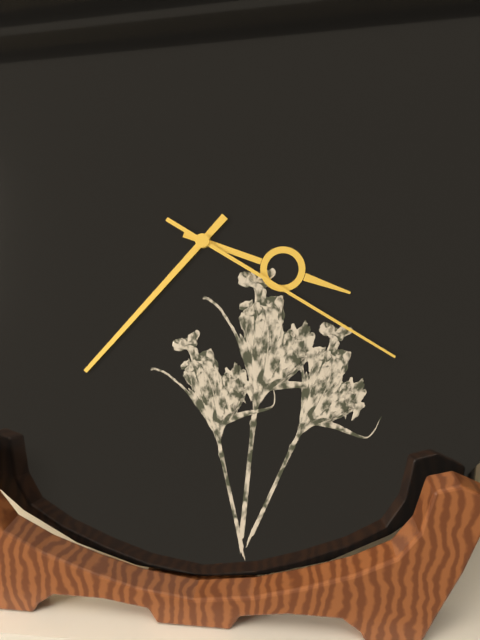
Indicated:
3.37.20
